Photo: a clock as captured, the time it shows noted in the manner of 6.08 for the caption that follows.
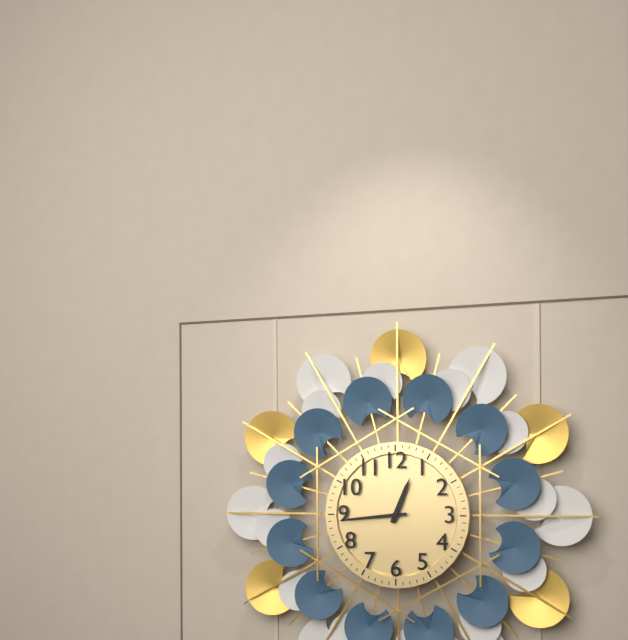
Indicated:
12.44
